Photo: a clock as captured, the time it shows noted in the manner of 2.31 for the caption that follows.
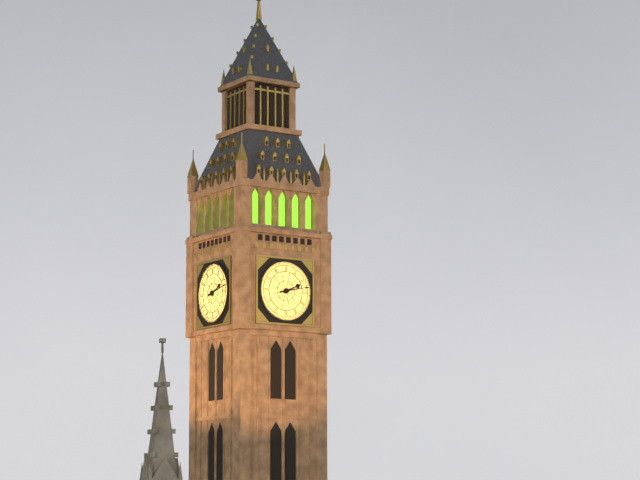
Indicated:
2.13
